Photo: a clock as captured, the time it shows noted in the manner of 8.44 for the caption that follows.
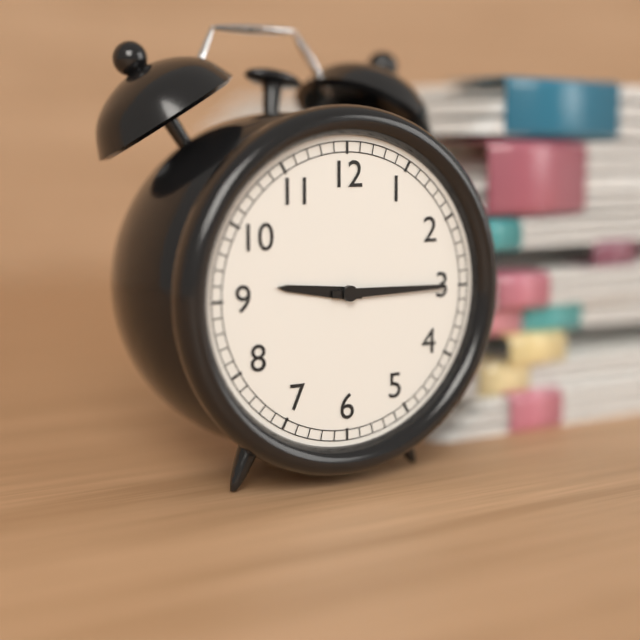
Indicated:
9.15
